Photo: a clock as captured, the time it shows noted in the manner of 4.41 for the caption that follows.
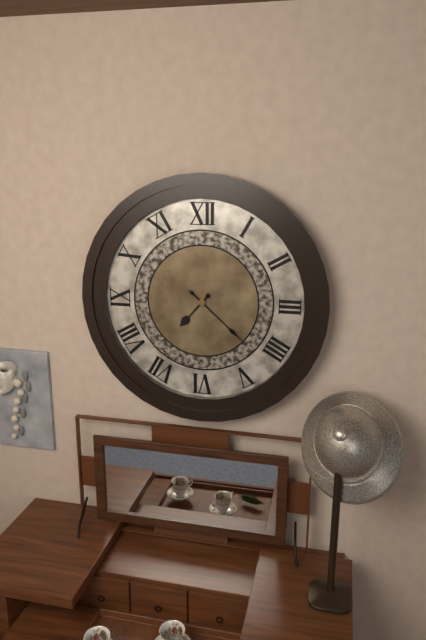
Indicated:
7.22
